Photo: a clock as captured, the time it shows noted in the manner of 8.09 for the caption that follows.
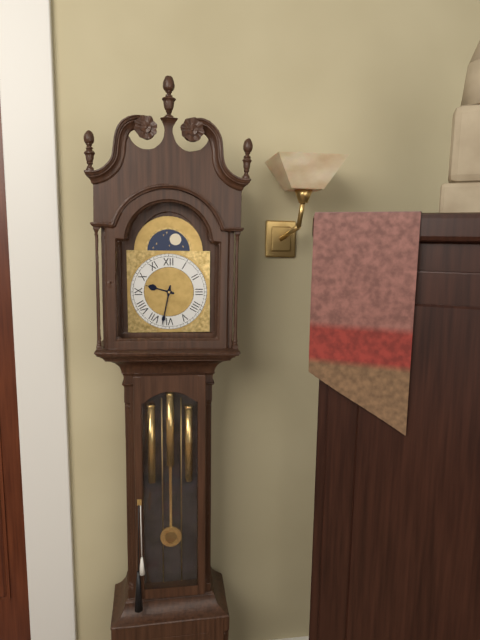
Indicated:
9.32
